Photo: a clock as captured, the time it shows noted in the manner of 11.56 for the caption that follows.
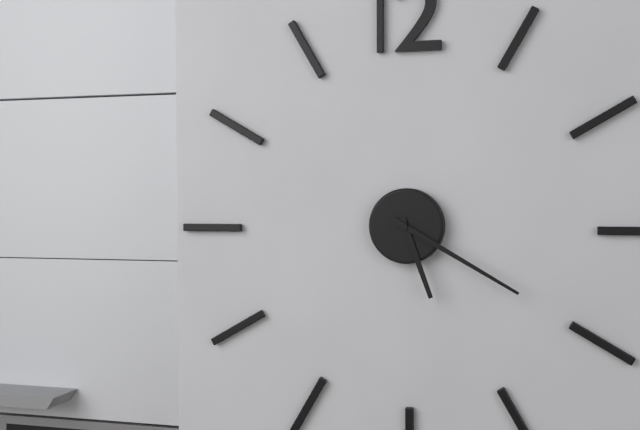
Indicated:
5.20
